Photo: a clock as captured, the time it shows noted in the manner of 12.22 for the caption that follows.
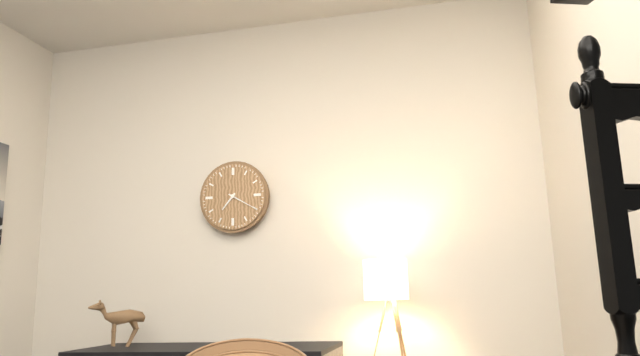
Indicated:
7.20
